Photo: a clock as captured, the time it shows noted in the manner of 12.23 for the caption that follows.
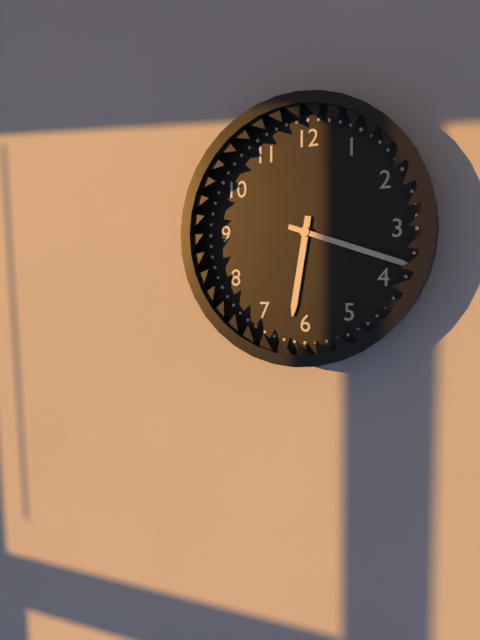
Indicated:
6.18
